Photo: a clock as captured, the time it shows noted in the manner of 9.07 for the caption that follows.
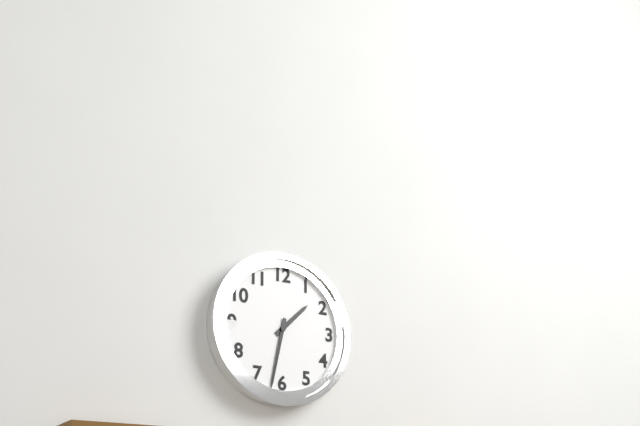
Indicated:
1.32
